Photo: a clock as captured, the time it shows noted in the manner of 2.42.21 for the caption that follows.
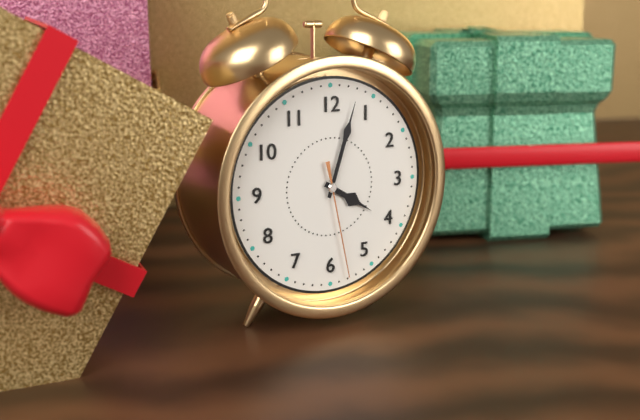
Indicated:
4.03.28
